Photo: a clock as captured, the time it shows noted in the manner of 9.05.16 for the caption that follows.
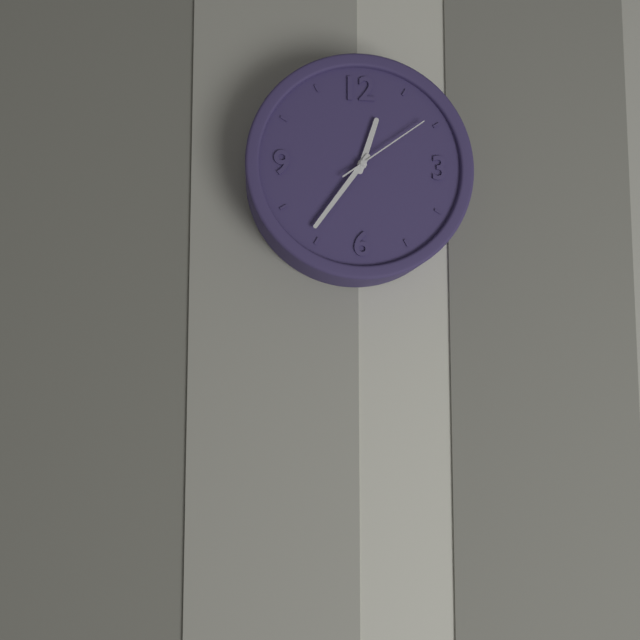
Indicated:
12.36.09
